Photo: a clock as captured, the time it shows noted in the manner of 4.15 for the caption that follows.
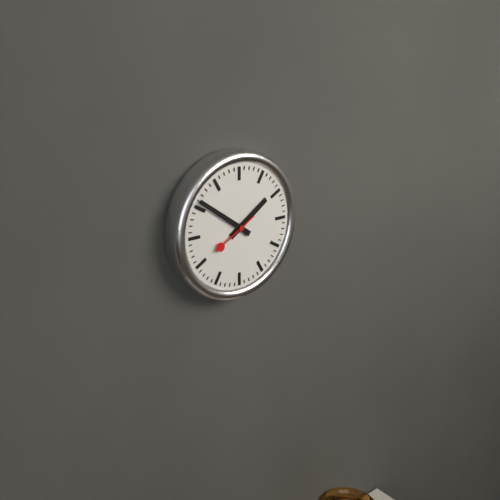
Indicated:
1.51
